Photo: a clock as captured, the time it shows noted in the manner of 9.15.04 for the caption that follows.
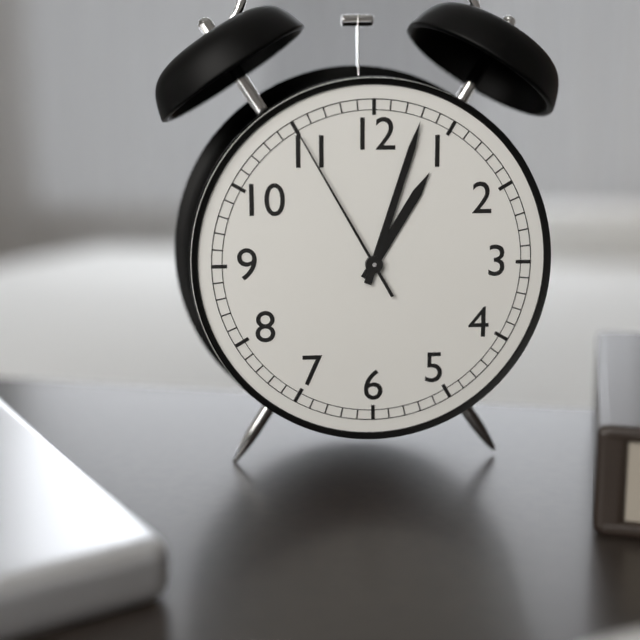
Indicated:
1.03.55
